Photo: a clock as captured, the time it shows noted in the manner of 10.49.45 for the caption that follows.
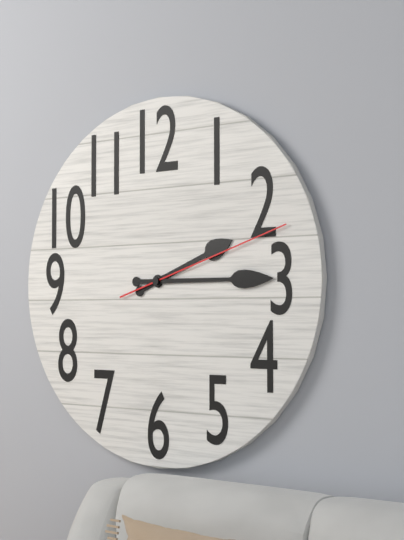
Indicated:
2.15.12
